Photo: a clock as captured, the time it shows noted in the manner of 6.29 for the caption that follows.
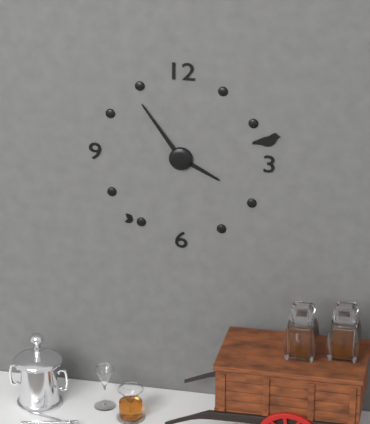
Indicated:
3.54
